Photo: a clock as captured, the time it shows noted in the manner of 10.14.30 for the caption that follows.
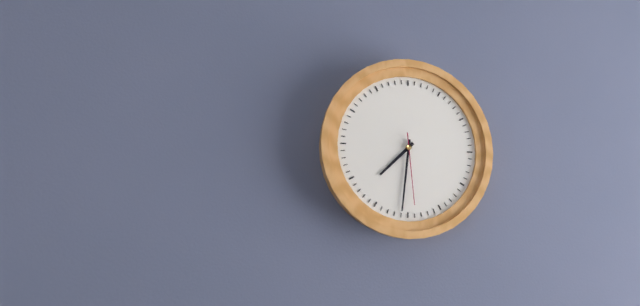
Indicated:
7.31.29
